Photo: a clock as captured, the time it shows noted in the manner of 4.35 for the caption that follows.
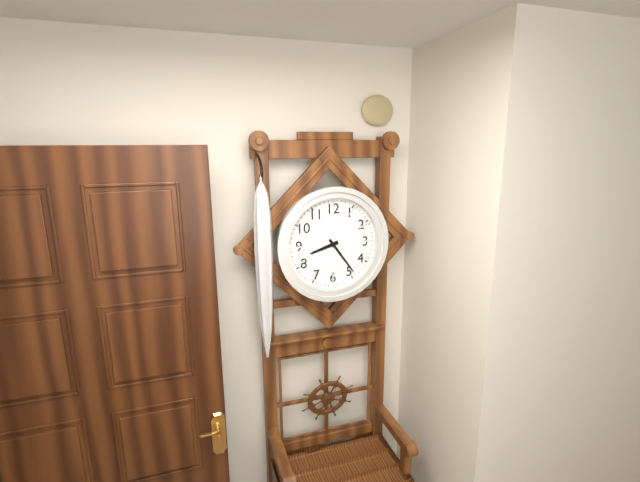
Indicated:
8.24
